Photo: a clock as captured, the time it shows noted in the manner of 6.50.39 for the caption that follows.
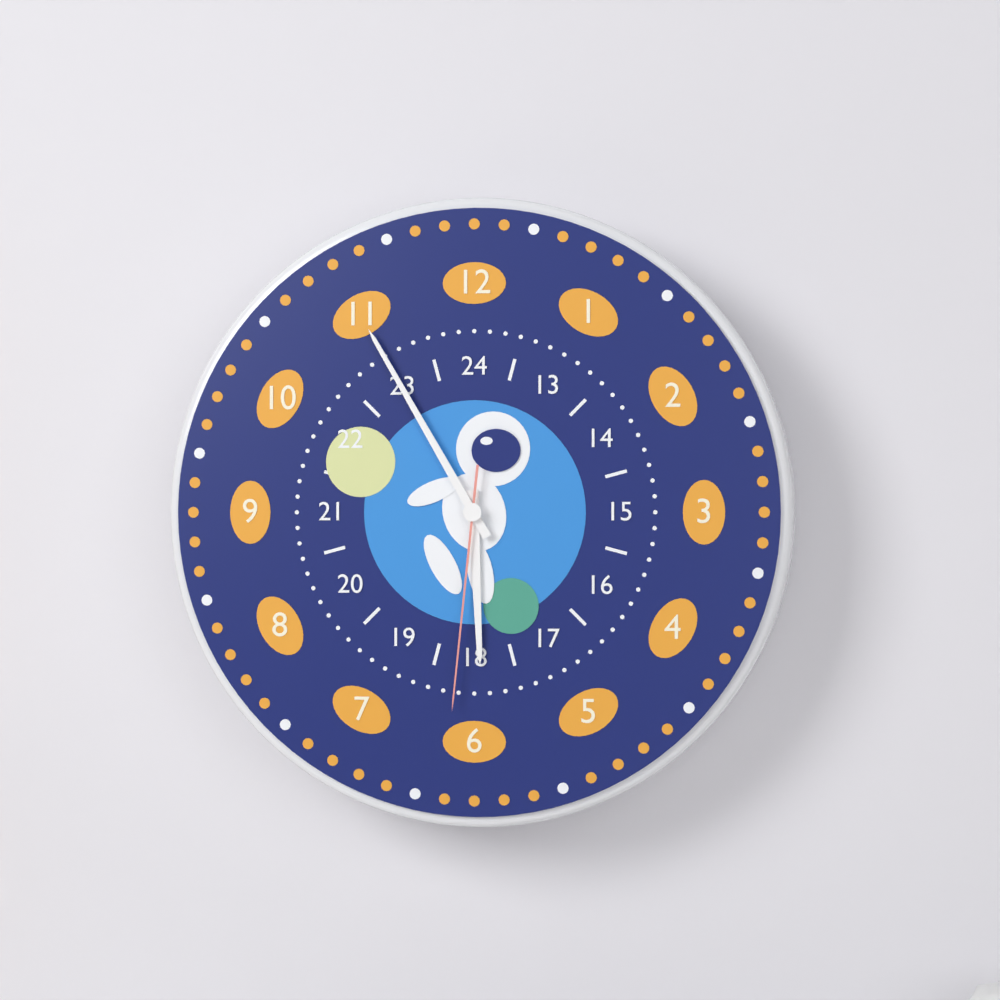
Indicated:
5.55.31
